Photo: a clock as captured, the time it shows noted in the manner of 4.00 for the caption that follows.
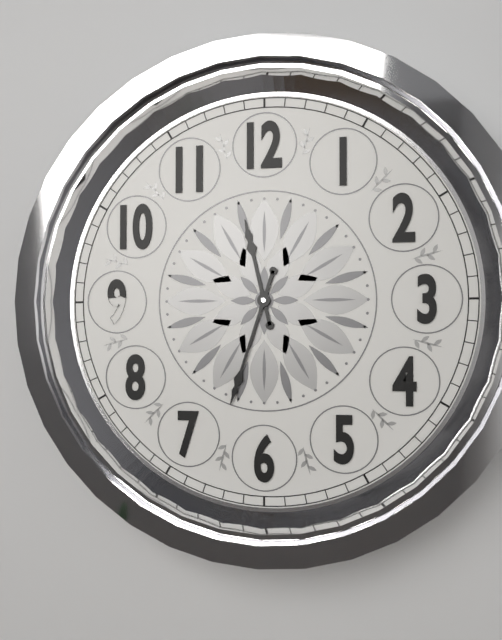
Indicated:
11.33
